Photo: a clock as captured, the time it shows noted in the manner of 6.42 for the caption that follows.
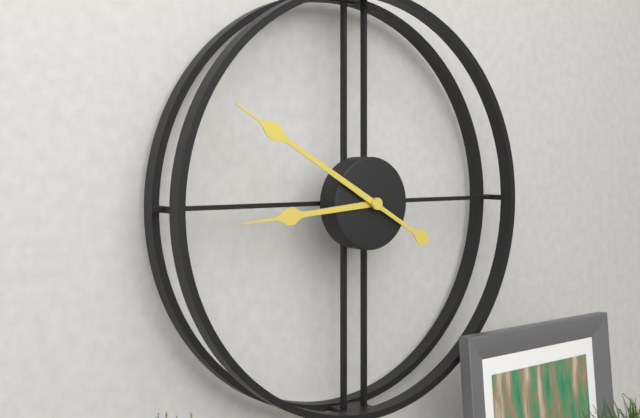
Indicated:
8.50
